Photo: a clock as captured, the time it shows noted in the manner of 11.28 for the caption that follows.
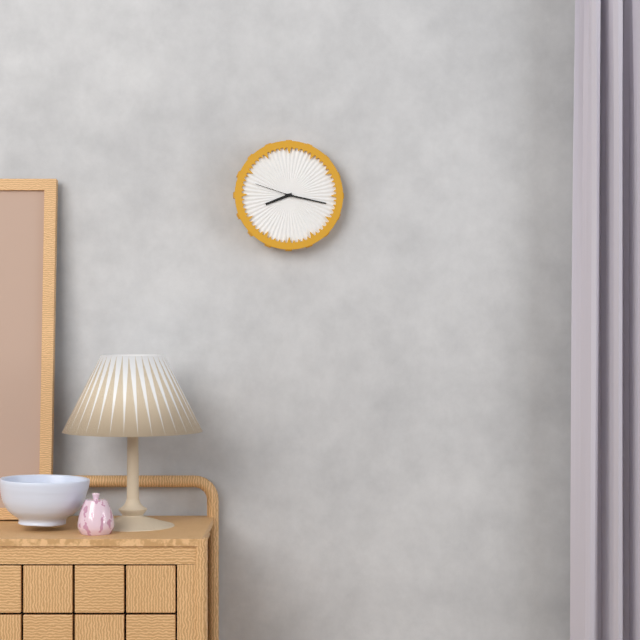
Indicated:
8.17
